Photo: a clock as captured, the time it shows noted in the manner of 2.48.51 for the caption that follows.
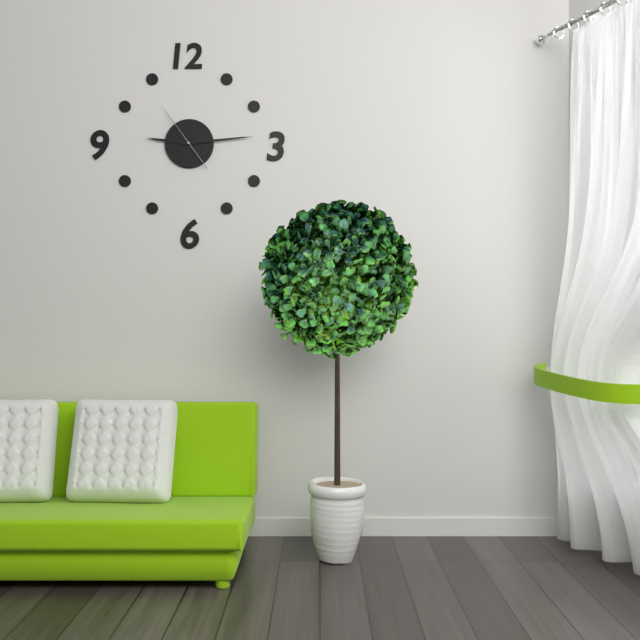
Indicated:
9.14.54
